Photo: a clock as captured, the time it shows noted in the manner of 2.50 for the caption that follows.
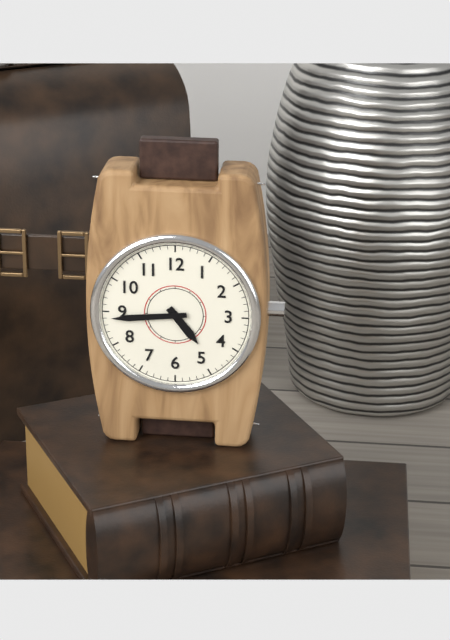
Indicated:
4.44
